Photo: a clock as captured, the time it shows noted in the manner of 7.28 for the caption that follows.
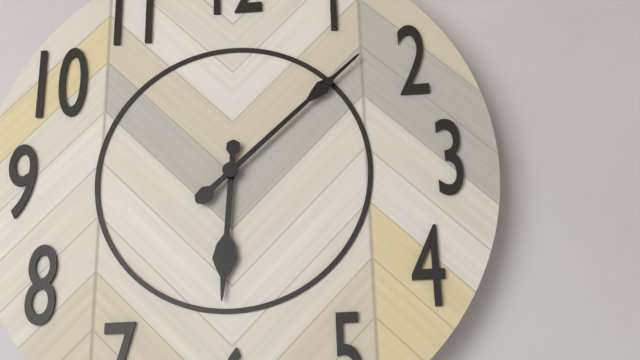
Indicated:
6.08
